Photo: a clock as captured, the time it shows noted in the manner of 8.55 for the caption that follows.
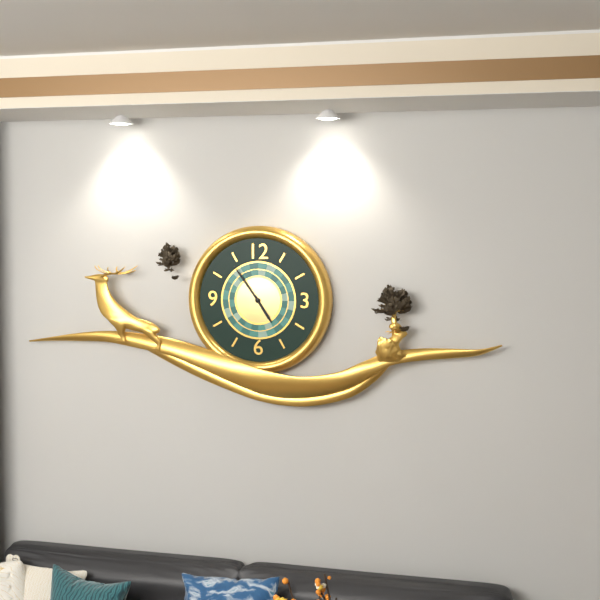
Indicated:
4.54
